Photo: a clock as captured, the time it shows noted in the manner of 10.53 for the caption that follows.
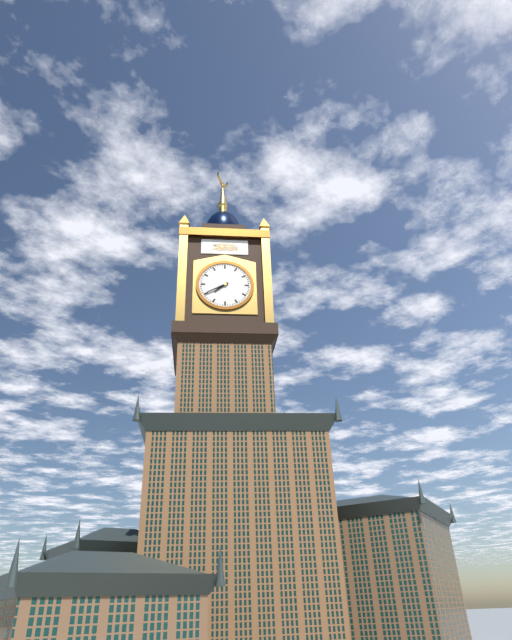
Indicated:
7.40
